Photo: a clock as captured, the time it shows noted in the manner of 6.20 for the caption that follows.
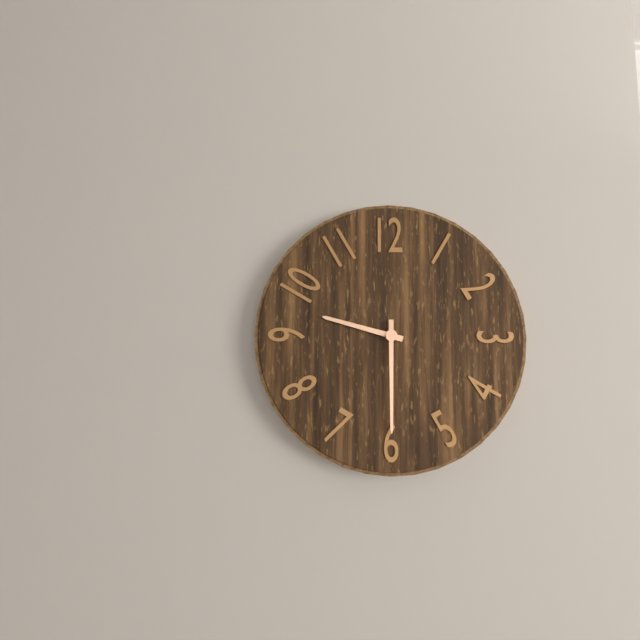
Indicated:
9.30
